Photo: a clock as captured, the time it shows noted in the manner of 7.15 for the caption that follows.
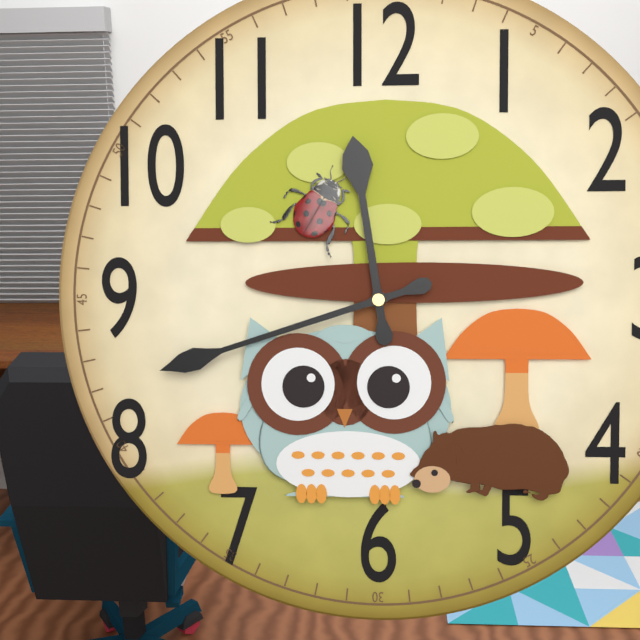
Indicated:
11.42
